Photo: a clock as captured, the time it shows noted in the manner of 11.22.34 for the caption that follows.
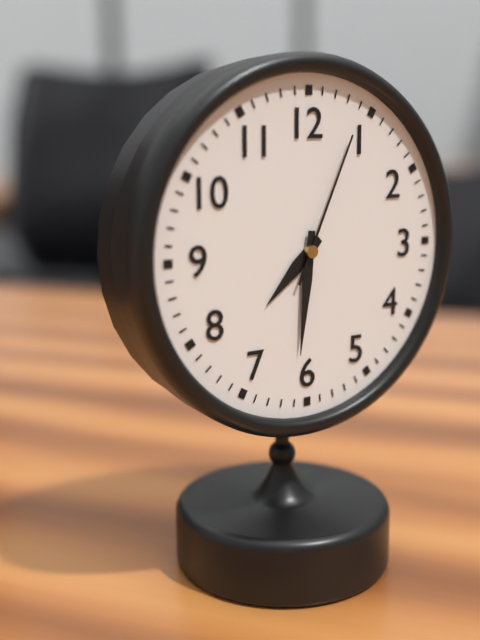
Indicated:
7.31.04
